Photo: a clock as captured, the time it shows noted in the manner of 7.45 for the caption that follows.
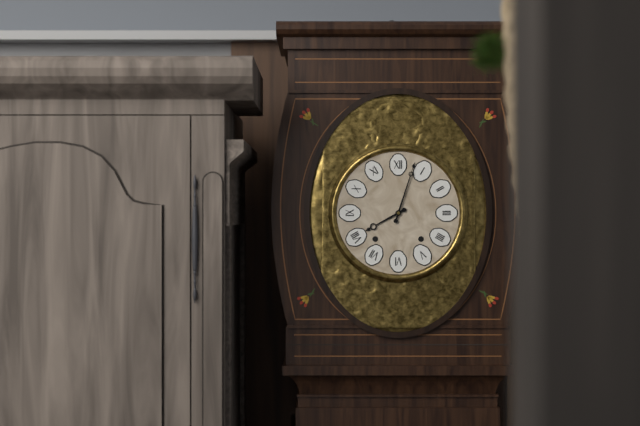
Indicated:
8.03
